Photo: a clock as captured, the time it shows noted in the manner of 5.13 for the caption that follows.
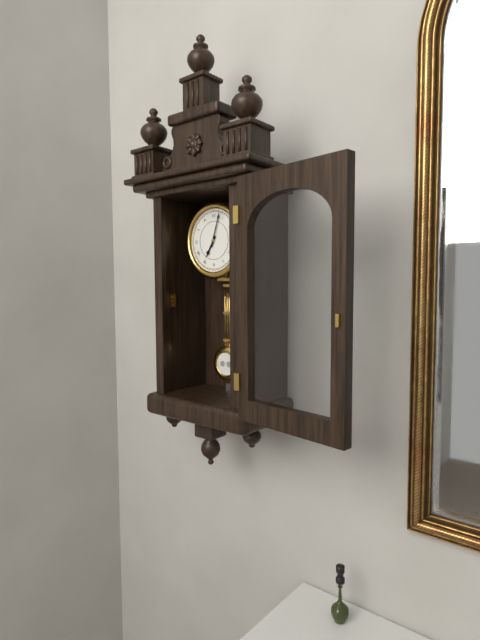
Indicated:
7.03
